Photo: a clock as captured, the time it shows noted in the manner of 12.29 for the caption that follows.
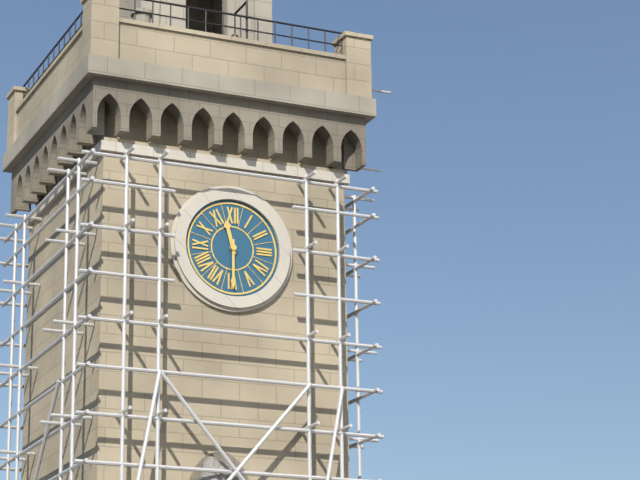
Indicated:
11.30
